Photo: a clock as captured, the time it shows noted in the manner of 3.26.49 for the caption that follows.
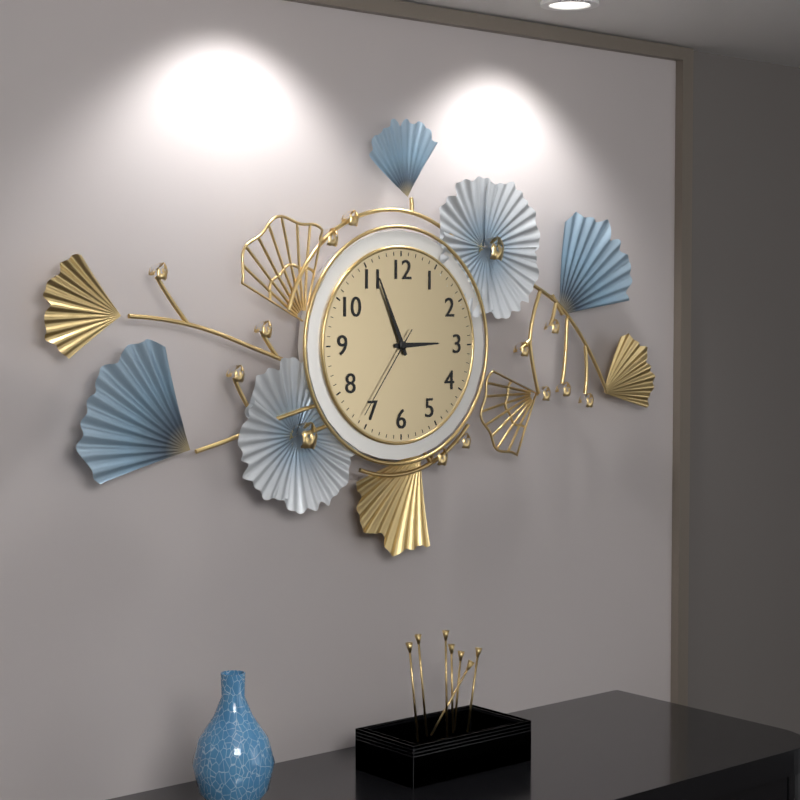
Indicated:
2.56.36
